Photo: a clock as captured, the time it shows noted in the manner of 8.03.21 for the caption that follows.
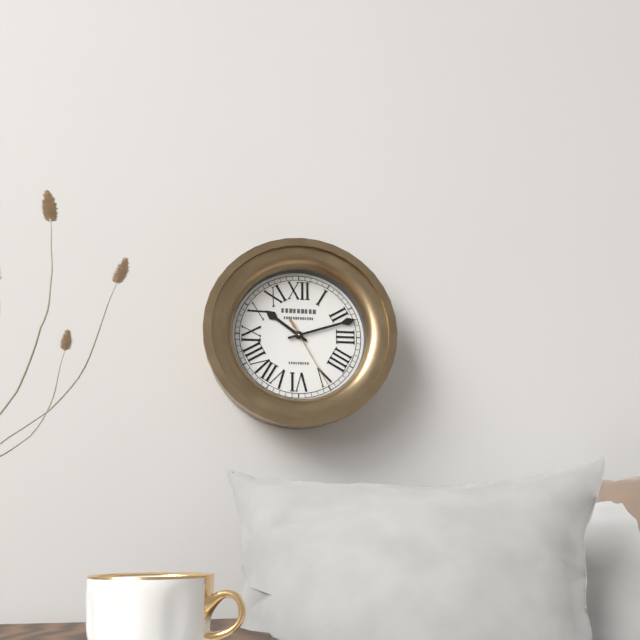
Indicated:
10.12.25
